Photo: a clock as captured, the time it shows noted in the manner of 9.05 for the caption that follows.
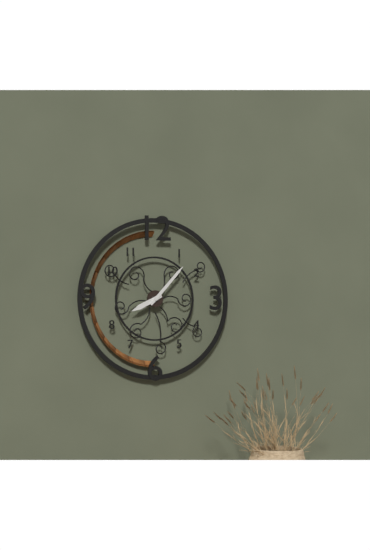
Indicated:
8.07
